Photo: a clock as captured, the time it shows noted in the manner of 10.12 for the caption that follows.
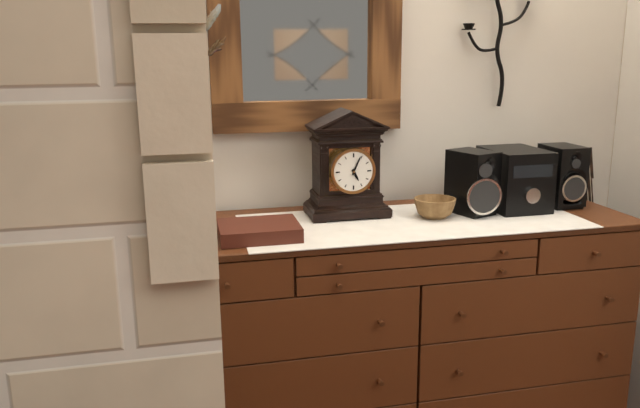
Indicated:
5.04
